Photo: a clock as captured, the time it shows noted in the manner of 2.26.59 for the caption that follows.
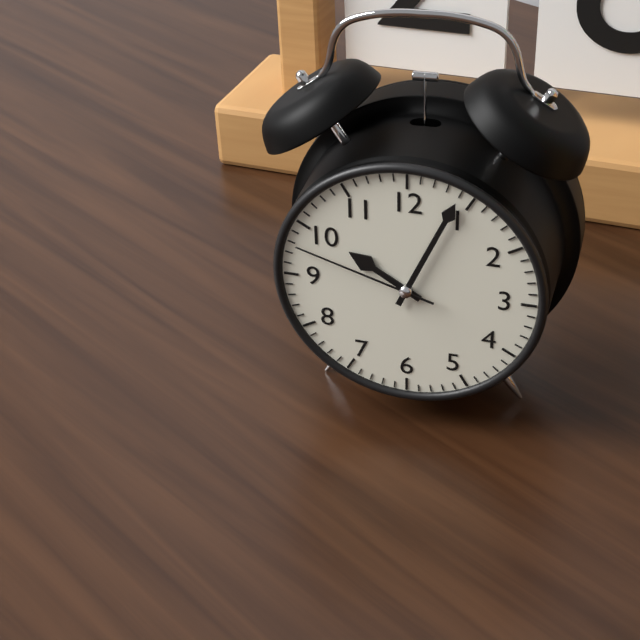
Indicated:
10.04.48
